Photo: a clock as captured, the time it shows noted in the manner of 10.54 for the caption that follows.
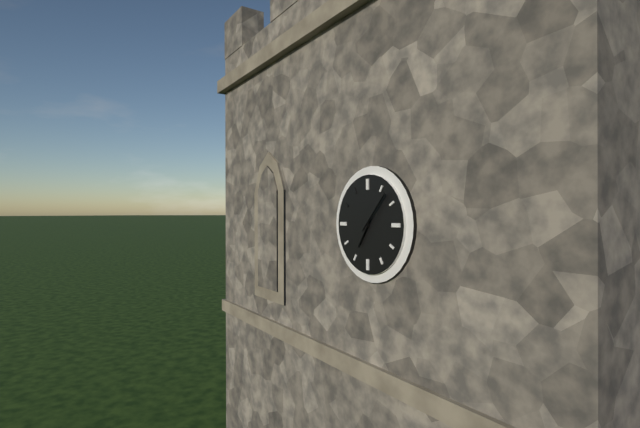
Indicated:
7.07
